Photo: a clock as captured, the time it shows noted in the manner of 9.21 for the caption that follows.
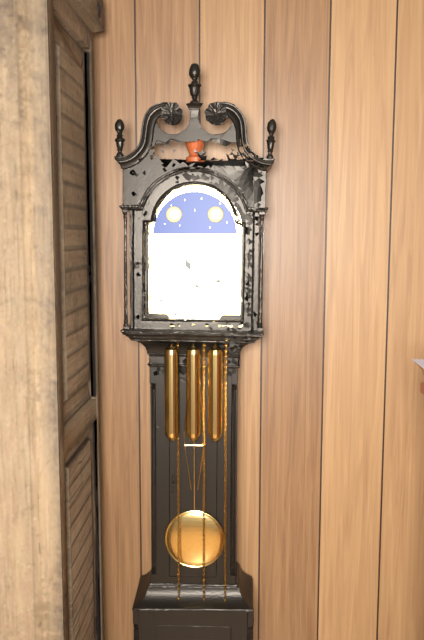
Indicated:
11.15
